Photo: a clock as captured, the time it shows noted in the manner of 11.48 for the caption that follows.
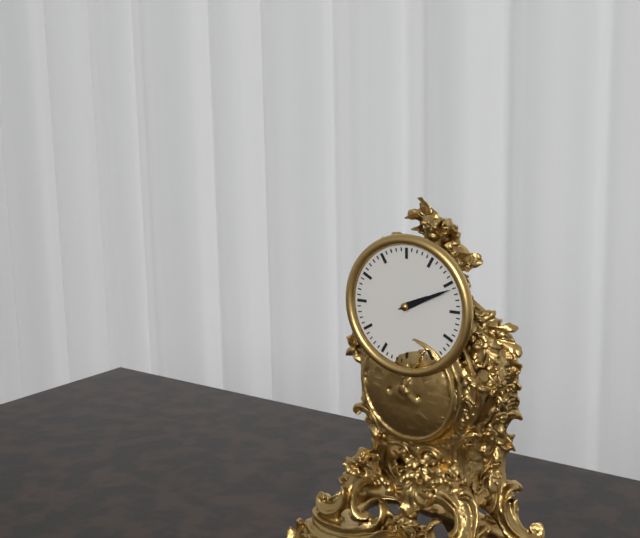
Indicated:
2.11
